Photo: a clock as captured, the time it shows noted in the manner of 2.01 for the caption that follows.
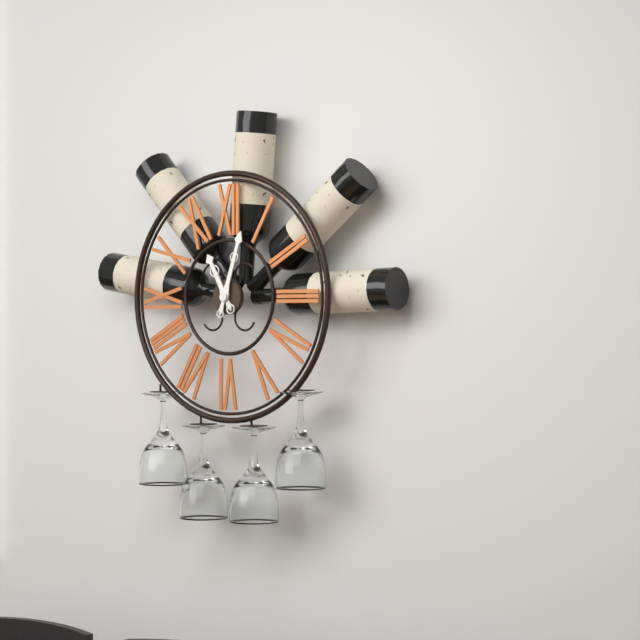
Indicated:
11.03
